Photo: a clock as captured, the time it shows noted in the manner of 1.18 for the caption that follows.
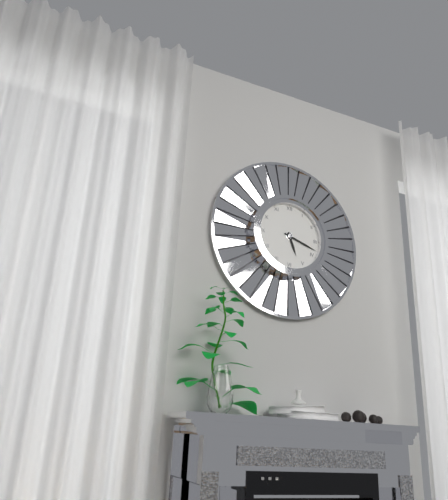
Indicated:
5.18
